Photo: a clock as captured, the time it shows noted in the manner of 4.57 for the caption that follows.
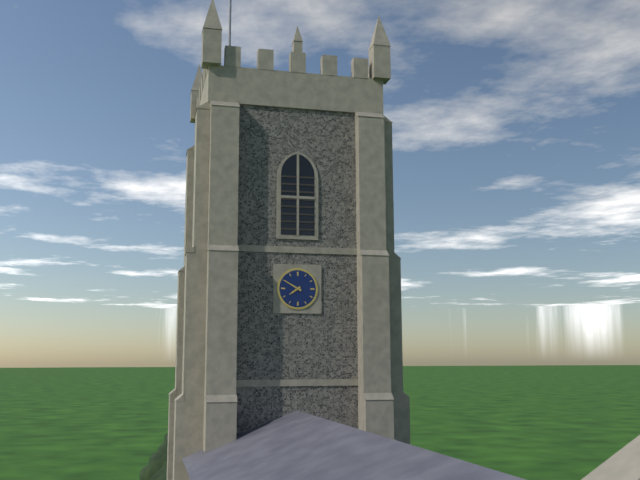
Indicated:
7.50
